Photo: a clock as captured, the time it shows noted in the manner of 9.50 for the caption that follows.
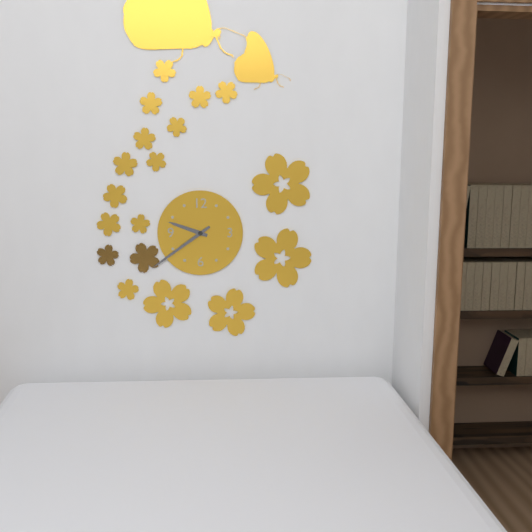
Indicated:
9.39
